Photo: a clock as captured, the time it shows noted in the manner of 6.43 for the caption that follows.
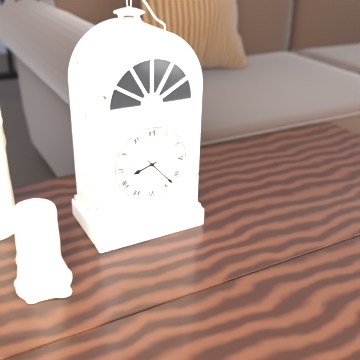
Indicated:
8.23
